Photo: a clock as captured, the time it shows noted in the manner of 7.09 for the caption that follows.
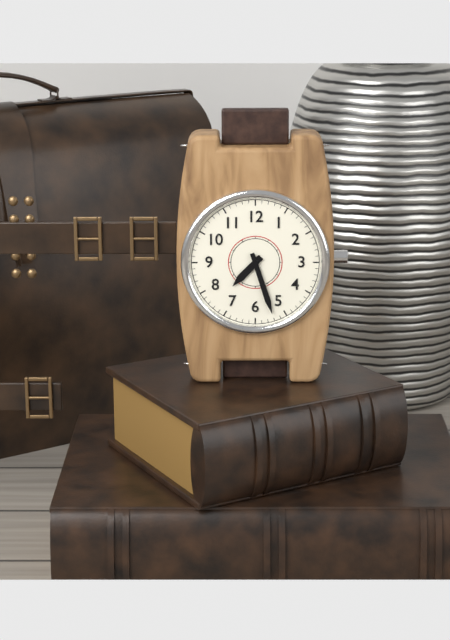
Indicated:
7.27
